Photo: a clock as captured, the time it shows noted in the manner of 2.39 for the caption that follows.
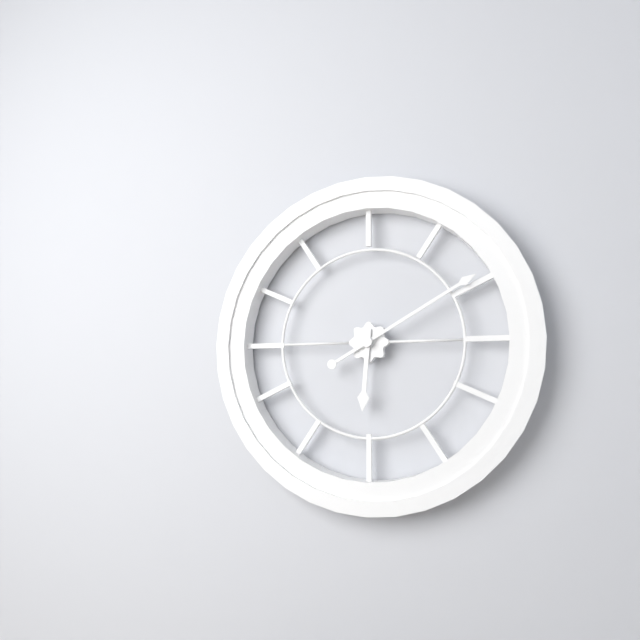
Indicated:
6.10
